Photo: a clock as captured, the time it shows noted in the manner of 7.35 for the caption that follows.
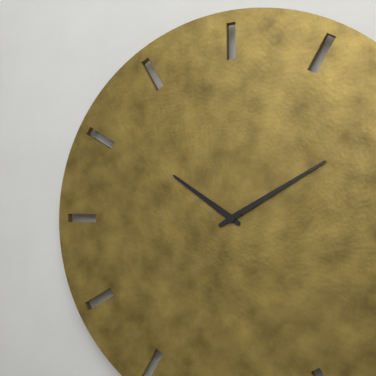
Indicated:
10.10
